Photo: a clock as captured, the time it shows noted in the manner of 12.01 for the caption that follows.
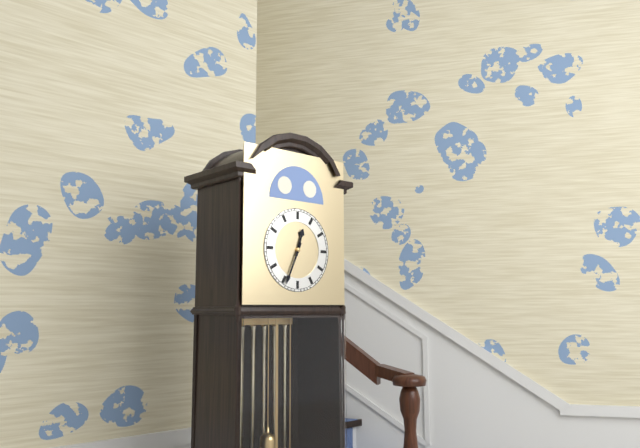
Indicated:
12.34
